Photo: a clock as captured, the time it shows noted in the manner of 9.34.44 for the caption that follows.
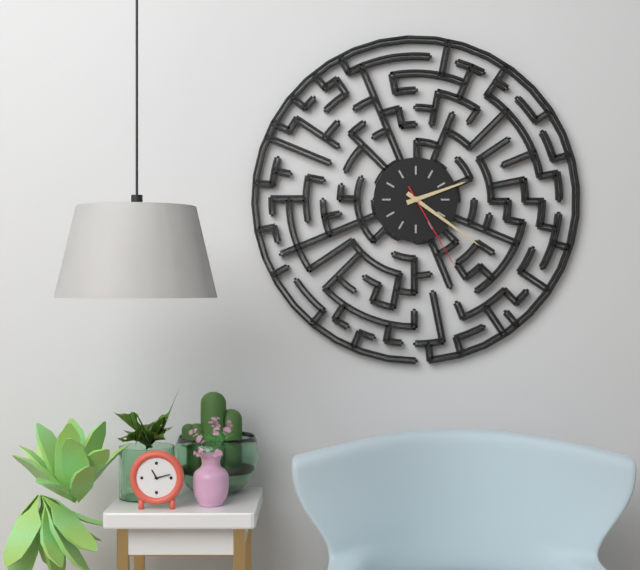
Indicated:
2.21.25
